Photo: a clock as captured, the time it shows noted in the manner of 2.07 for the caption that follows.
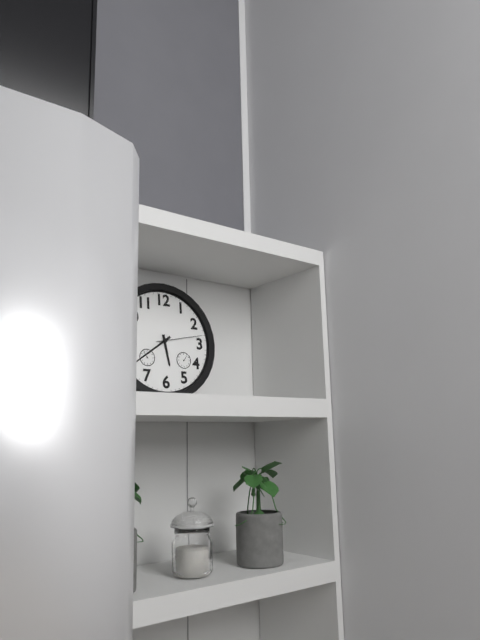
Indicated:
5.39
